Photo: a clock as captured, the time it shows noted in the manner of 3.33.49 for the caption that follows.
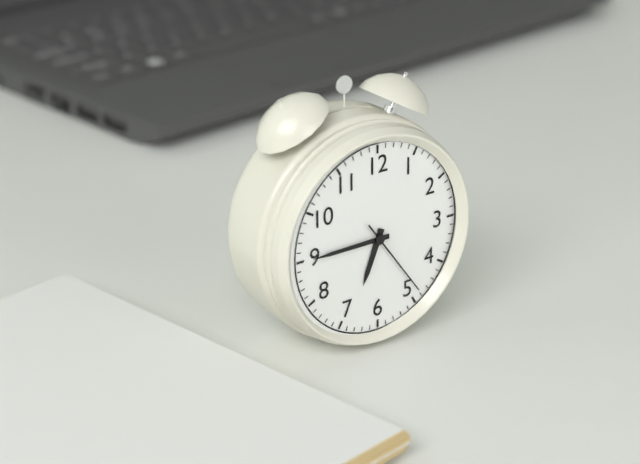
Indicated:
6.45.24
